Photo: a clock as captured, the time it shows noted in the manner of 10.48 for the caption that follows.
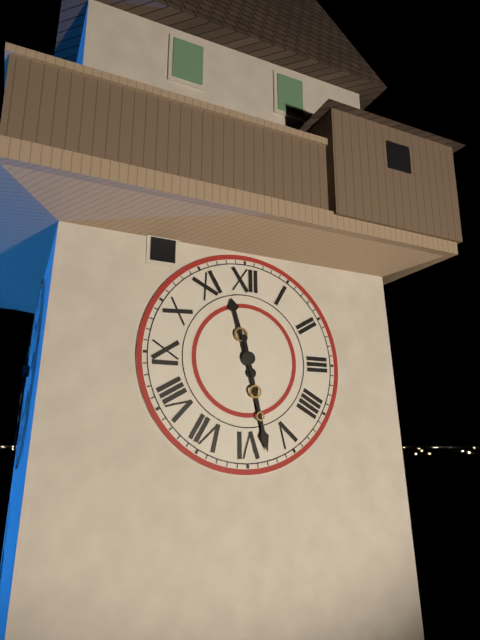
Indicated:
11.28
